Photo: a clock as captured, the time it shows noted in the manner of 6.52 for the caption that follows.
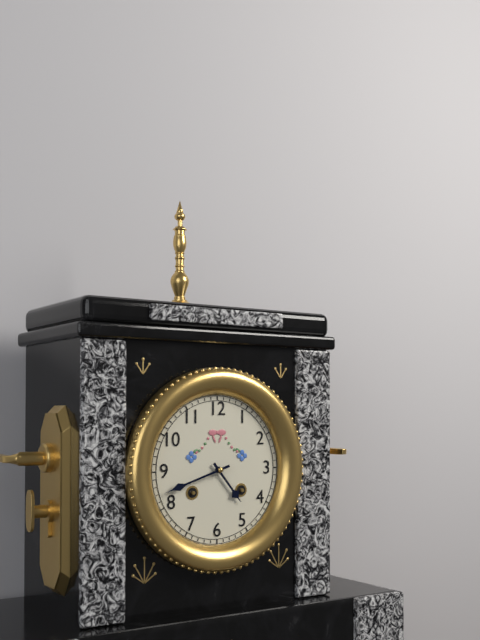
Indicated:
4.42
